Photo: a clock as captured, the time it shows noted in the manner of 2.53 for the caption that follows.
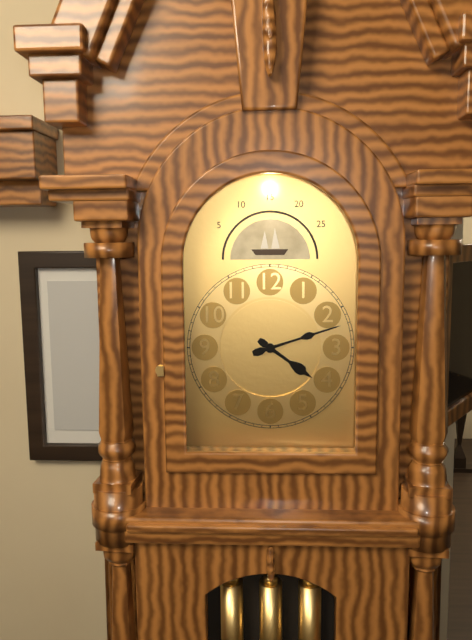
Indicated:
4.12
